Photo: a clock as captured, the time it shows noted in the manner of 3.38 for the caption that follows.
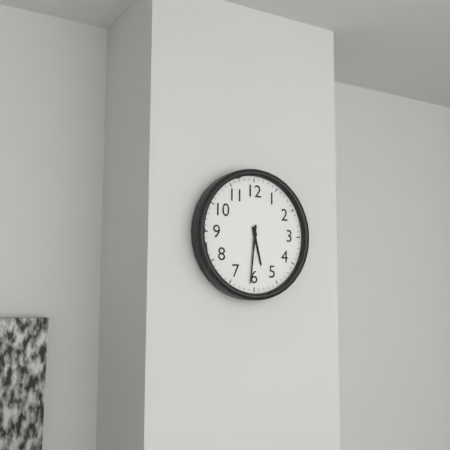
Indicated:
5.31
